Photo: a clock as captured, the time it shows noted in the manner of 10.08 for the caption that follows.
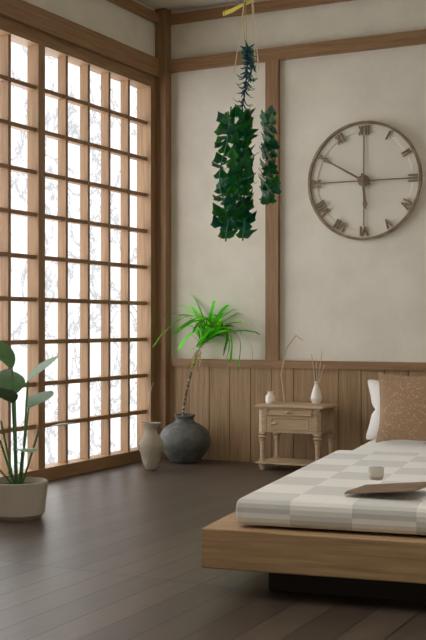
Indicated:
5.50
